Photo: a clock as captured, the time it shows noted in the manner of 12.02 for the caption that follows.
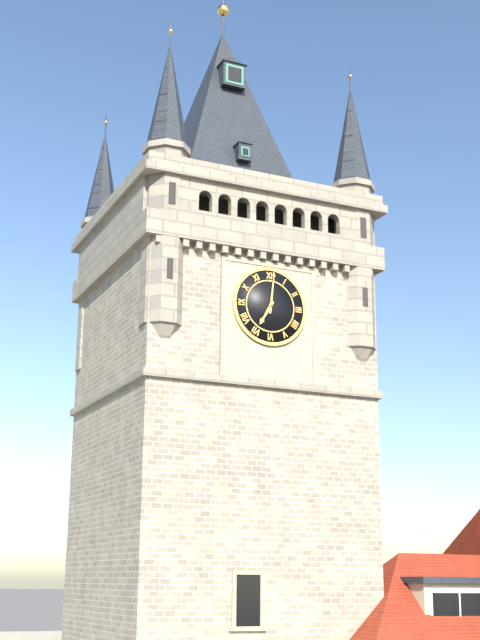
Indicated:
7.01
